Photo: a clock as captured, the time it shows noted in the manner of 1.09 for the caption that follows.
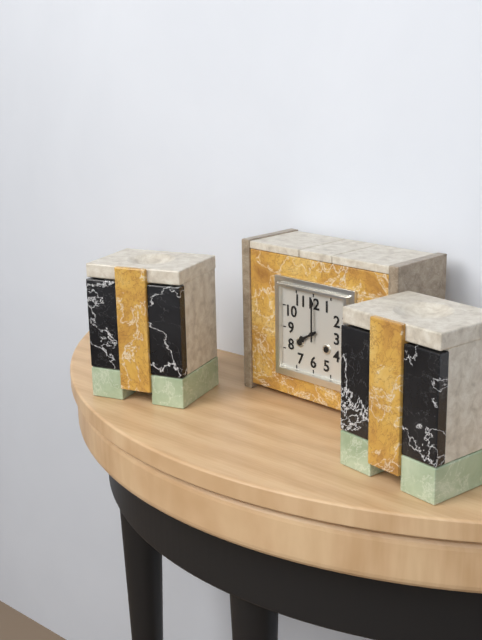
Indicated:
8.00
